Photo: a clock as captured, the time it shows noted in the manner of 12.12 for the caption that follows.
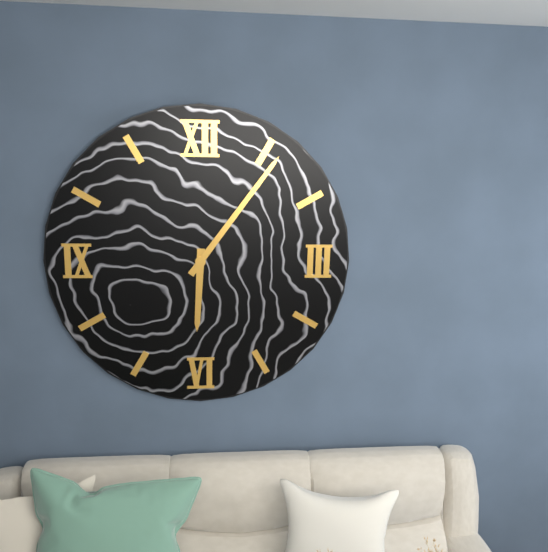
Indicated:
6.06
